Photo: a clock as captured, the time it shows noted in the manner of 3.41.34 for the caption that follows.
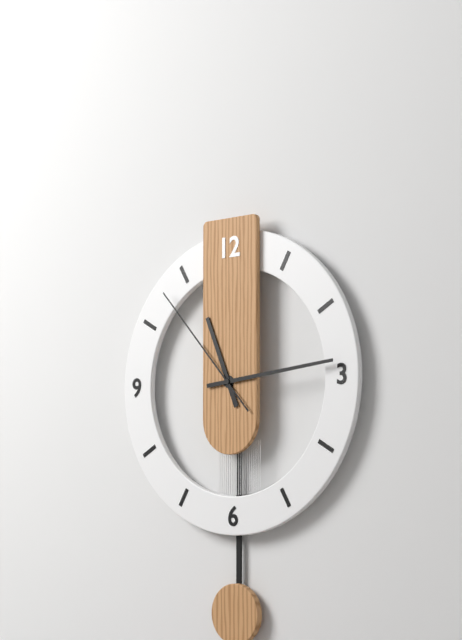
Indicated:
11.14.53
